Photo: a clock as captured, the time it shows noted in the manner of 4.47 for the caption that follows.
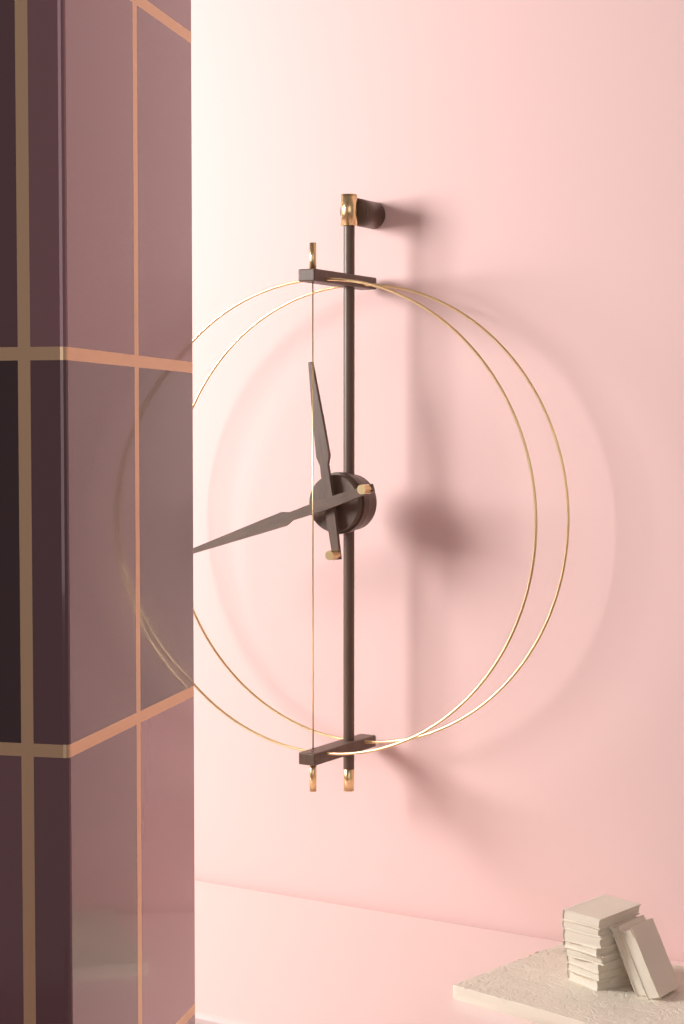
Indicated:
11.42
